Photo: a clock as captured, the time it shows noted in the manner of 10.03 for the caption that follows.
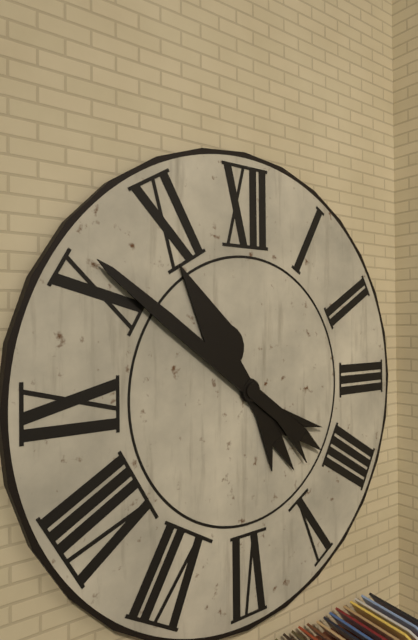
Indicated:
10.51
